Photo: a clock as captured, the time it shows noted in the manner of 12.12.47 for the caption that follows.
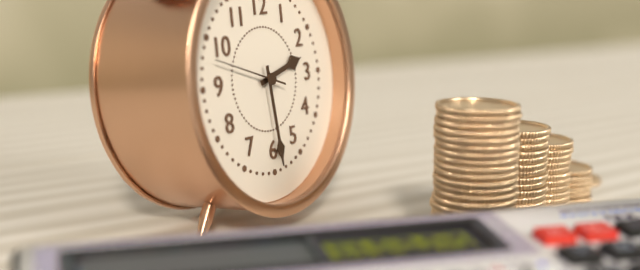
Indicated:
2.29.48
